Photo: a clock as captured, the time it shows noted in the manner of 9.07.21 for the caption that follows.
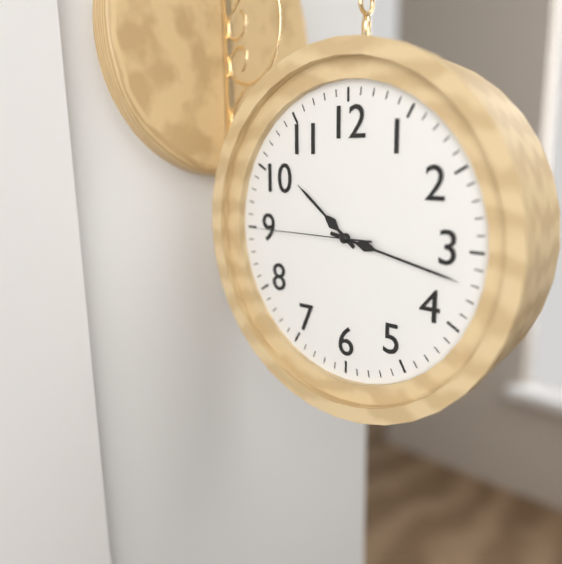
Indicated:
10.17.45
